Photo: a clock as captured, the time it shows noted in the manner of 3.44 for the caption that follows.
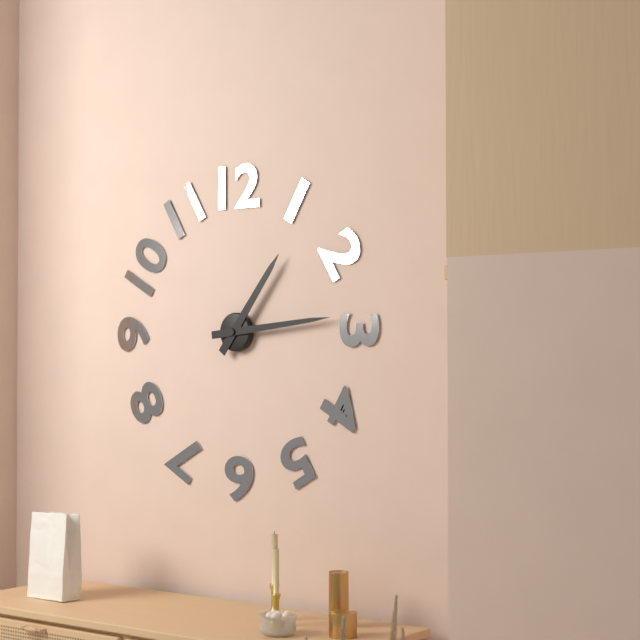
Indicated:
1.14
